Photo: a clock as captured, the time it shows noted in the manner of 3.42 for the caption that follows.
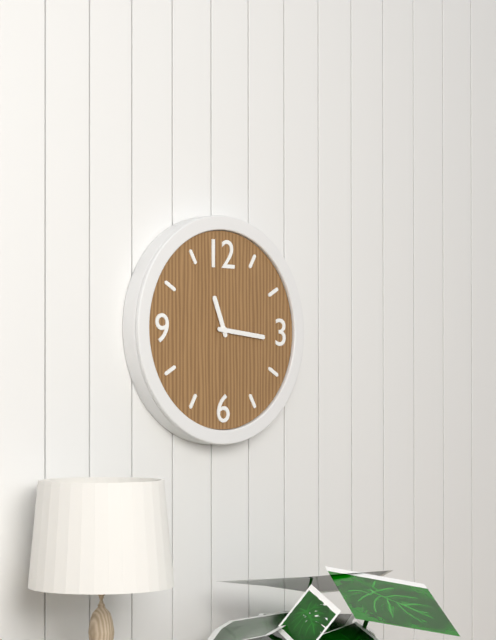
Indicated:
11.16
